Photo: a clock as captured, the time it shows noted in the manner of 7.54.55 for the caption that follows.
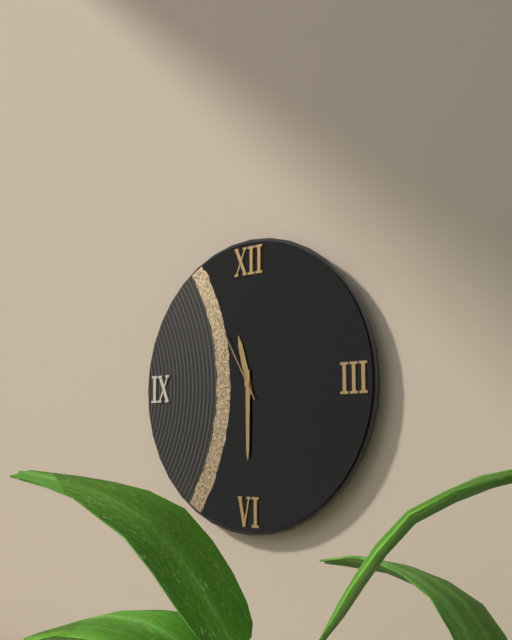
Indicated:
11.30.55
